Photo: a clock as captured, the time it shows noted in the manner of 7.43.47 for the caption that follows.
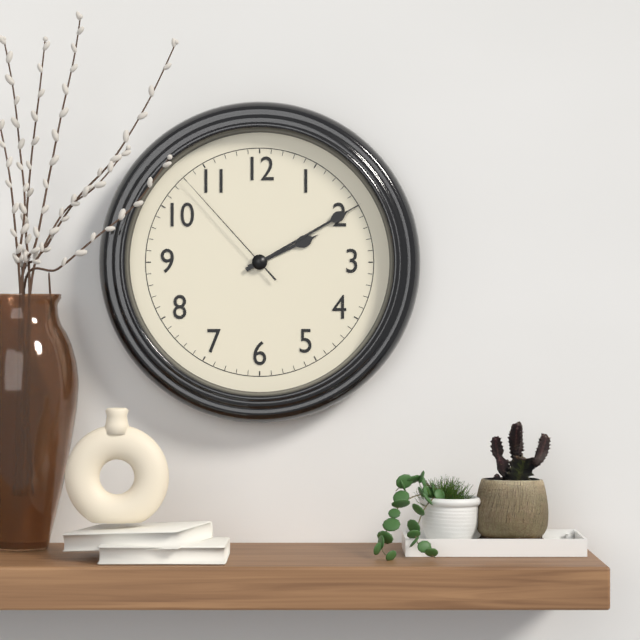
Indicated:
2.10.53
